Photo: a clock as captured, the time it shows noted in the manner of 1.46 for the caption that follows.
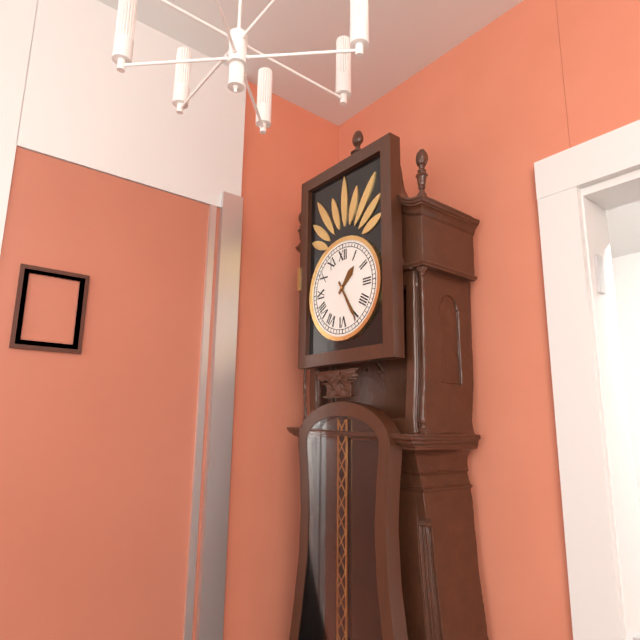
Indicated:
1.25
